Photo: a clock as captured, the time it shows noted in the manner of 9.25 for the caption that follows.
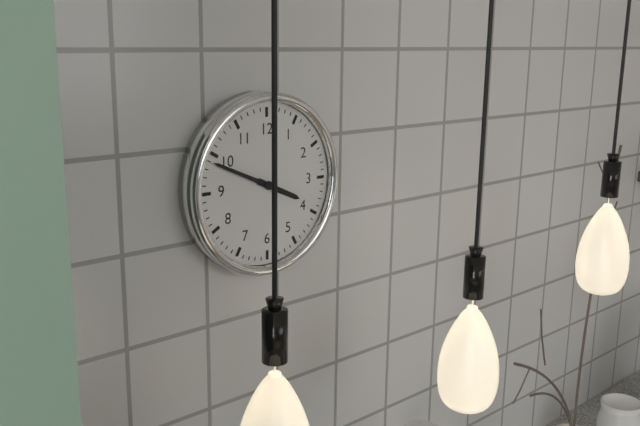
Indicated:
3.49
